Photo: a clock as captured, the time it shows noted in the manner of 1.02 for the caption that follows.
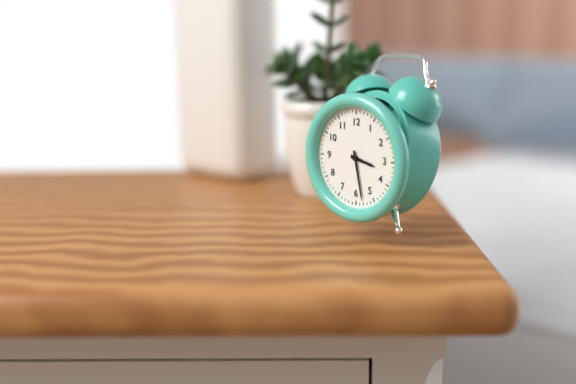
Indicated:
3.28
